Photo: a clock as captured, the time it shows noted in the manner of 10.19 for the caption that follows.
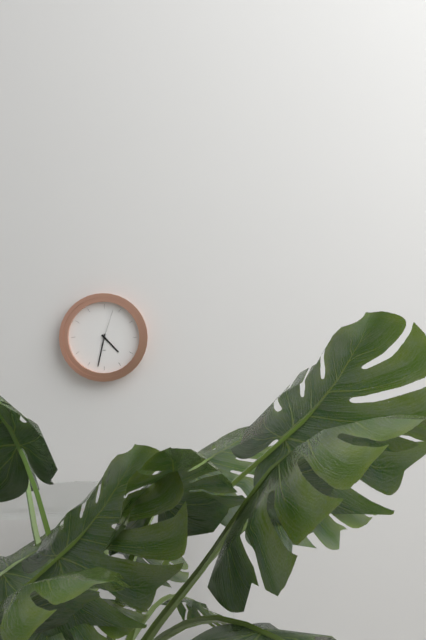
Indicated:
4.32
